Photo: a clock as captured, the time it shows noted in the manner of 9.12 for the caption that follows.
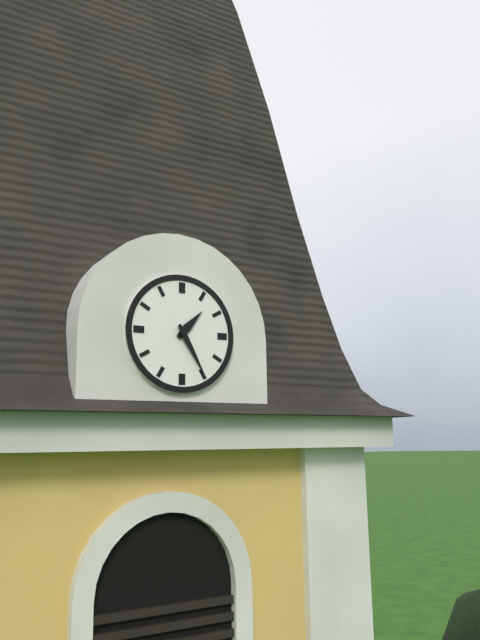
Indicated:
1.25
